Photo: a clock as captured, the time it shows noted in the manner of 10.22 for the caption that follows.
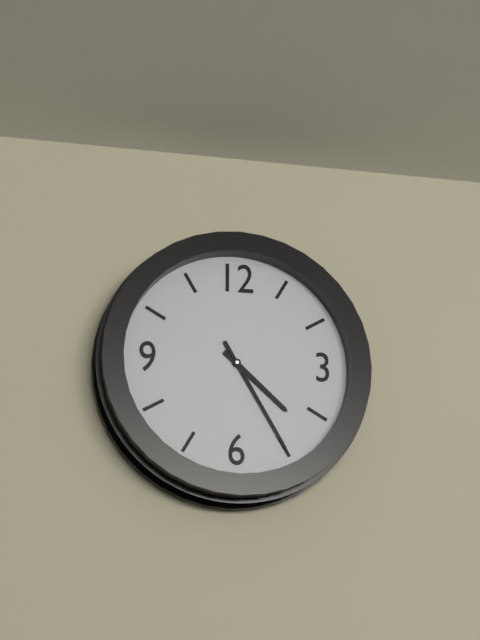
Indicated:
4.25
